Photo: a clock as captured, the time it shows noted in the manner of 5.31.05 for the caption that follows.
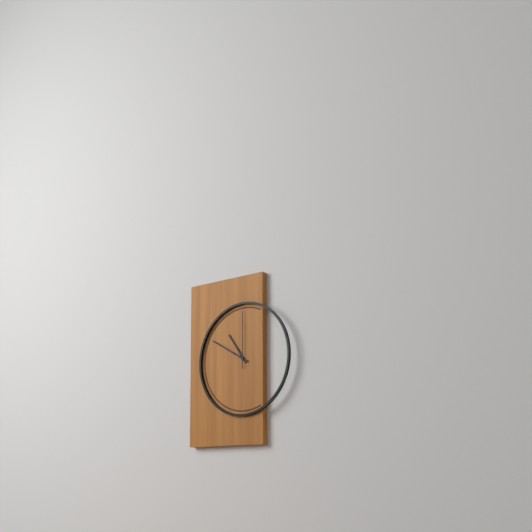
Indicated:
10.50.00
